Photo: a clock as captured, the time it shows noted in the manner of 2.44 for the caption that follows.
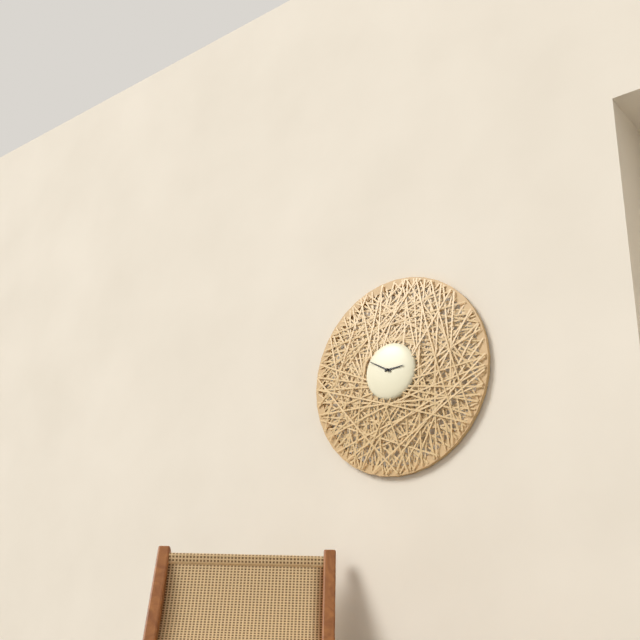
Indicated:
2.50
